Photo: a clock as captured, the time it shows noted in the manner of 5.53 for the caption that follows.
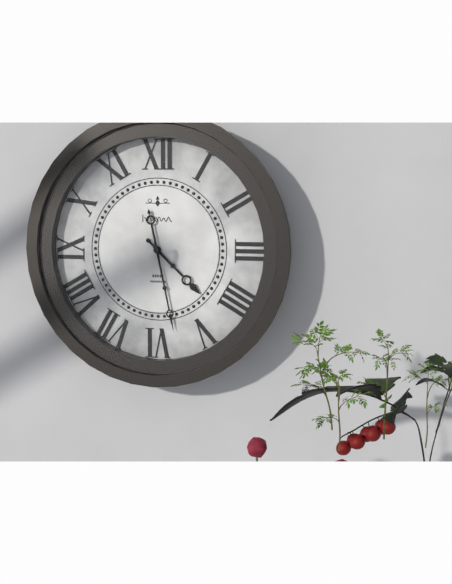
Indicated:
4.28
